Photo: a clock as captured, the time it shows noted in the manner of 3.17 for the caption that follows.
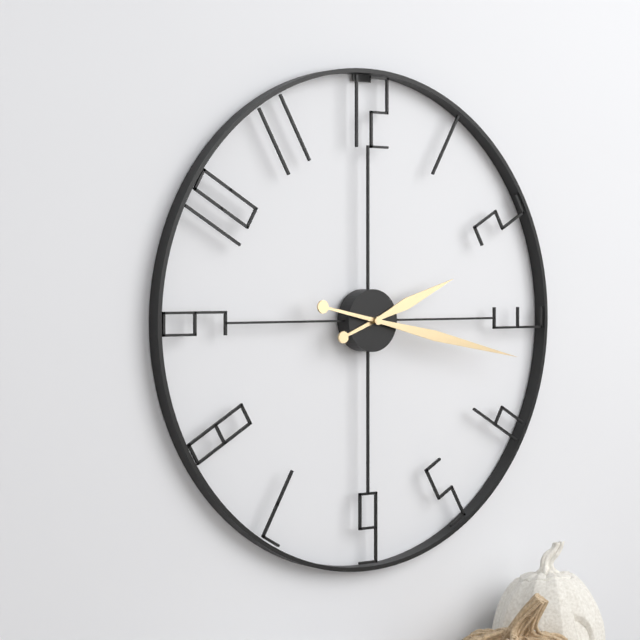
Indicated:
2.17
